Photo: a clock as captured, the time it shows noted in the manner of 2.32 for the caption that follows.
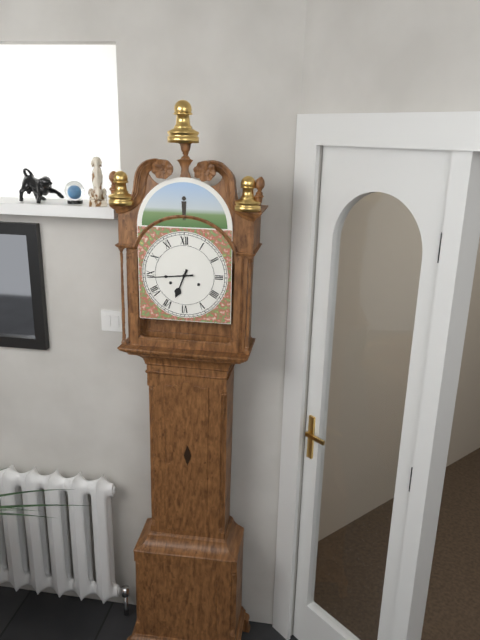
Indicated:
6.44
